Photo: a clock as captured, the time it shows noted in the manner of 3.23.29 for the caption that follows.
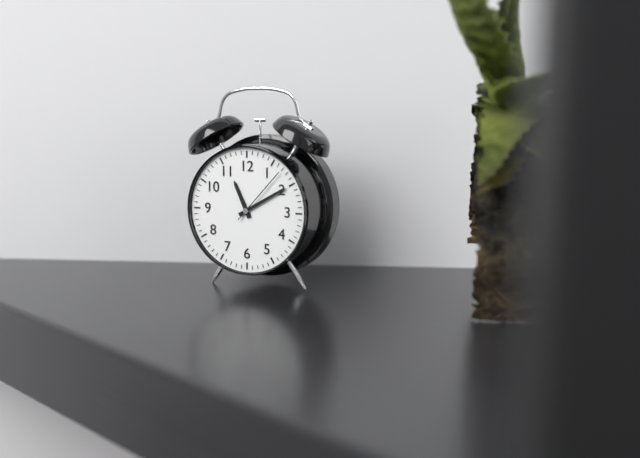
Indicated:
11.10.07
